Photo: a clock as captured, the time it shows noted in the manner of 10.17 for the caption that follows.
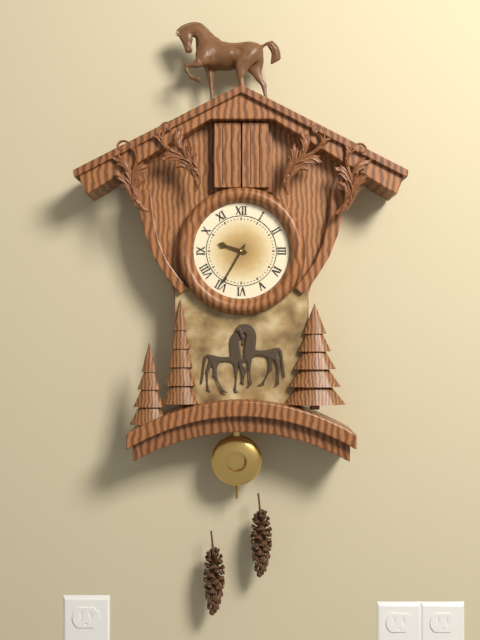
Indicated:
9.35
